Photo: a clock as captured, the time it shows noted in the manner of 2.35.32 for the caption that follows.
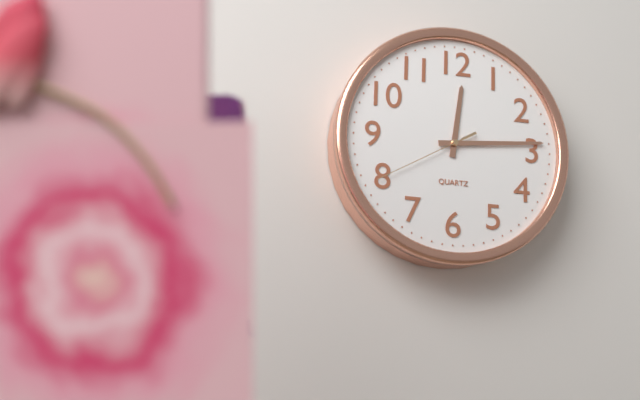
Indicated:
12.14.40
